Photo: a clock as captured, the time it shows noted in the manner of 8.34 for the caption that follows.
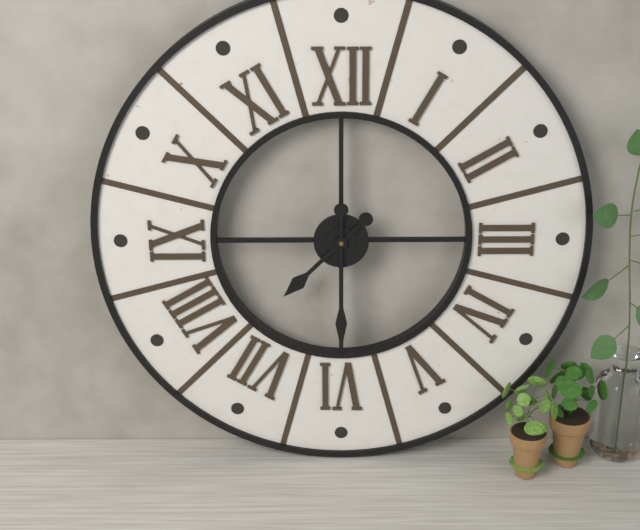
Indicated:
7.30
